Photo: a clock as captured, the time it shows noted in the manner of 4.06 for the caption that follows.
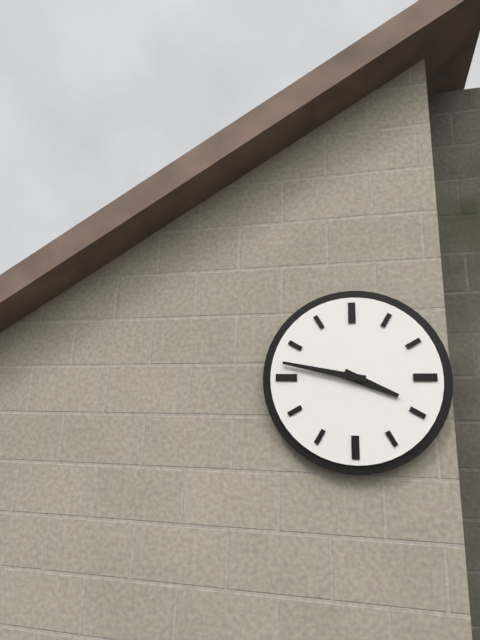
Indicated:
3.47
